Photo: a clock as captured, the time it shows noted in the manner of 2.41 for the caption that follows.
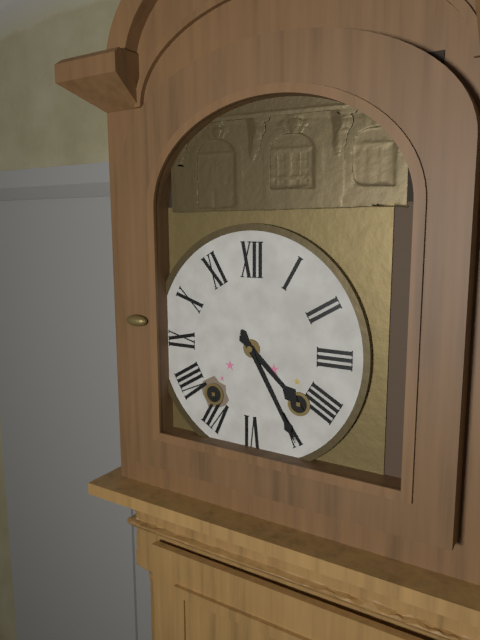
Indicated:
4.25
